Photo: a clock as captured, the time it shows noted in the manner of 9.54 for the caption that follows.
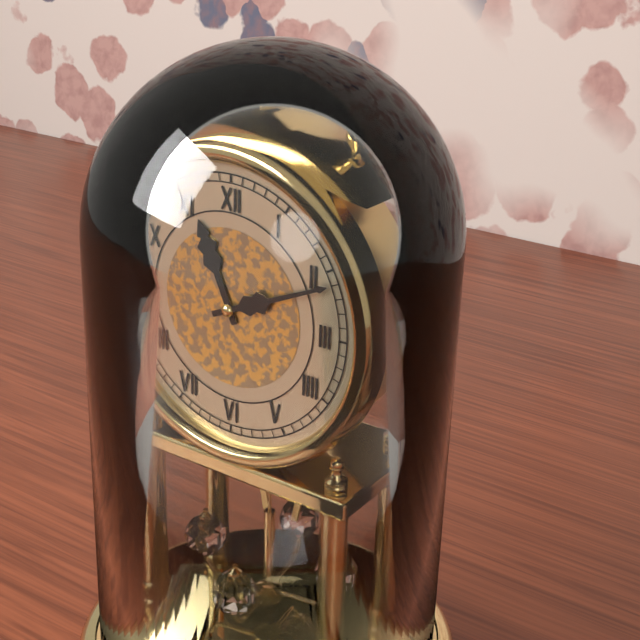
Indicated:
11.11
